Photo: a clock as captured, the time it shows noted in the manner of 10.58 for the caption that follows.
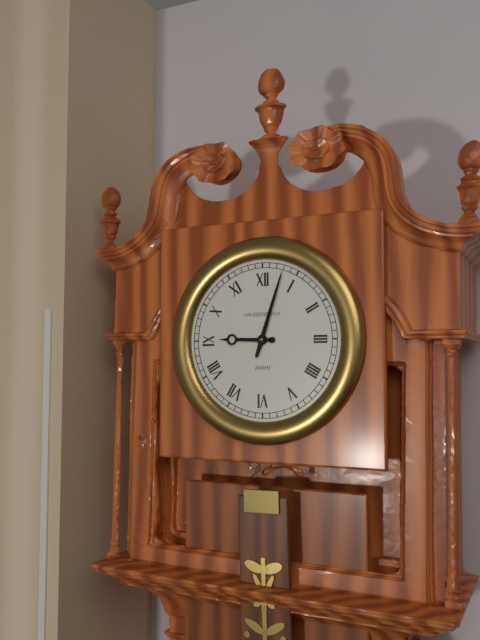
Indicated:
9.03
